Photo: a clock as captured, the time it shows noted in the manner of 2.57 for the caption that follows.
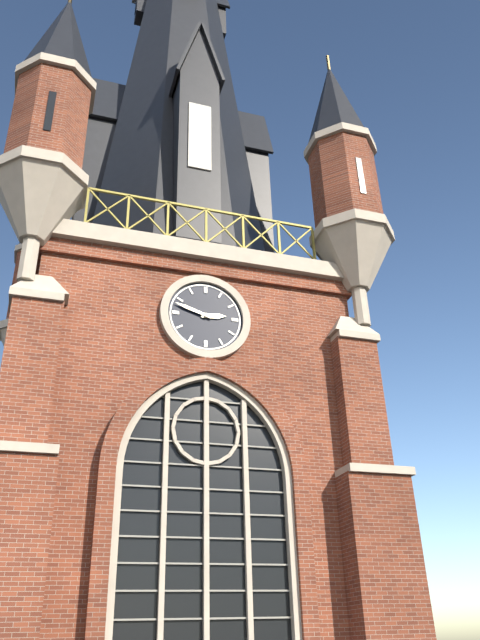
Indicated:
2.48
